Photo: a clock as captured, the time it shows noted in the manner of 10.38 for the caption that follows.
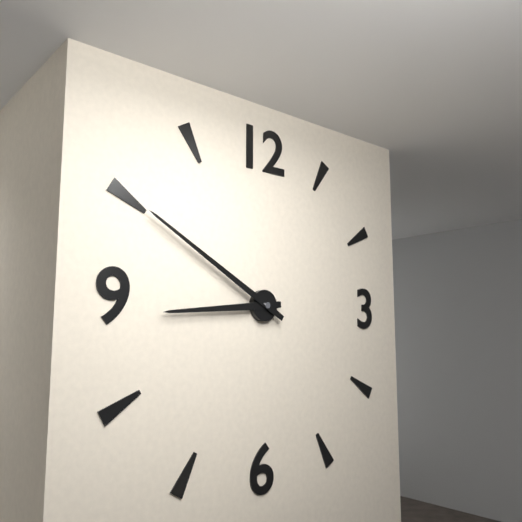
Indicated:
8.50
